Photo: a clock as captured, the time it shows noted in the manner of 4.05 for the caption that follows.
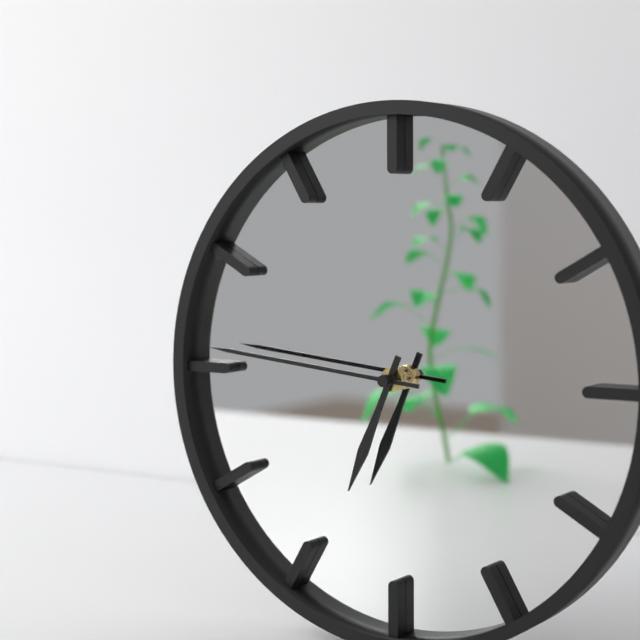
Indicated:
6.46
